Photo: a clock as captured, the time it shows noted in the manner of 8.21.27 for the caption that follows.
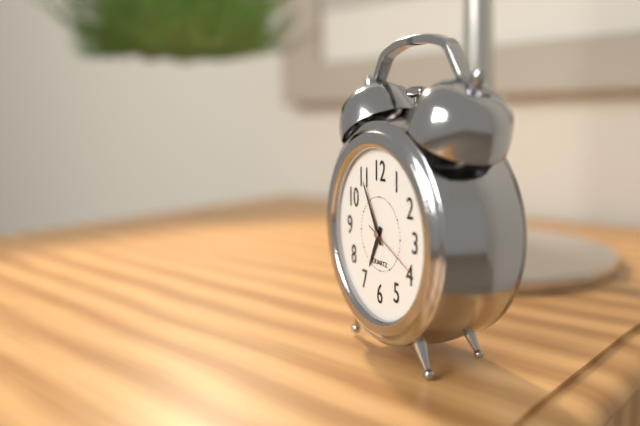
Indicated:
6.55.19
